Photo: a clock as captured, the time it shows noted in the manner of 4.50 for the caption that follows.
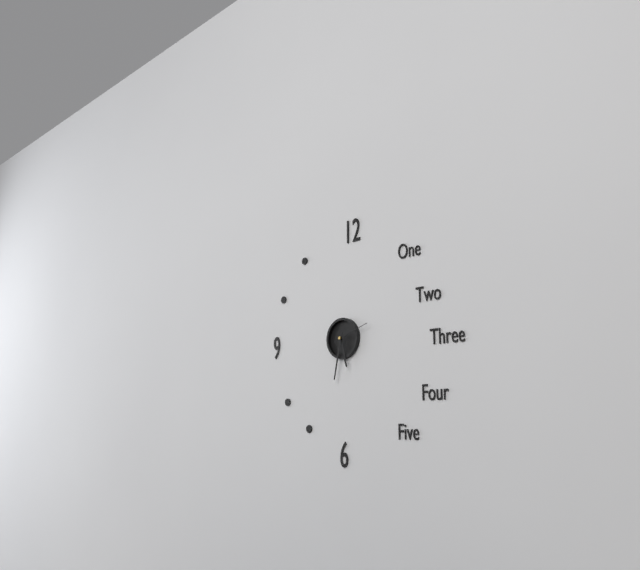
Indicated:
5.32
